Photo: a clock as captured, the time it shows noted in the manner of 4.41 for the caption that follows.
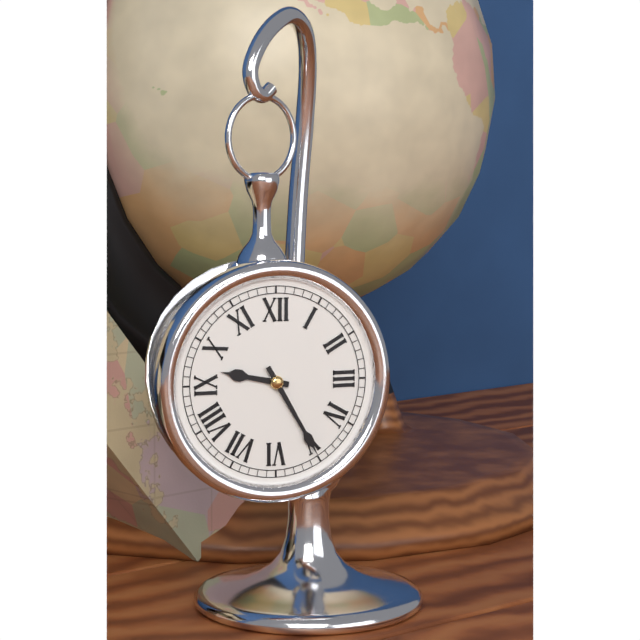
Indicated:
9.25
